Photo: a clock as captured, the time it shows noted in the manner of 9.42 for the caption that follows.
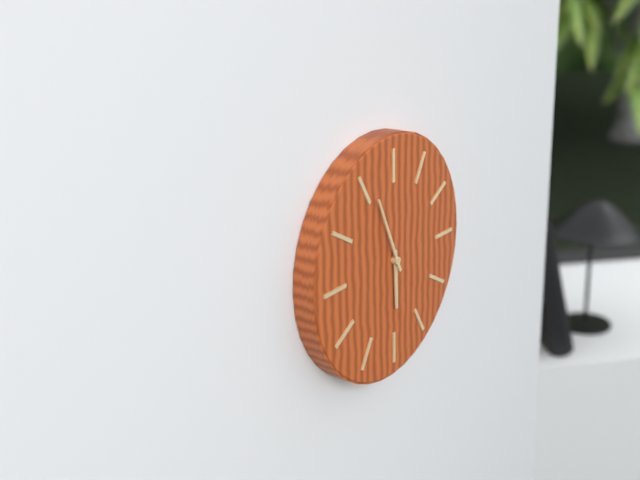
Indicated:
5.56
